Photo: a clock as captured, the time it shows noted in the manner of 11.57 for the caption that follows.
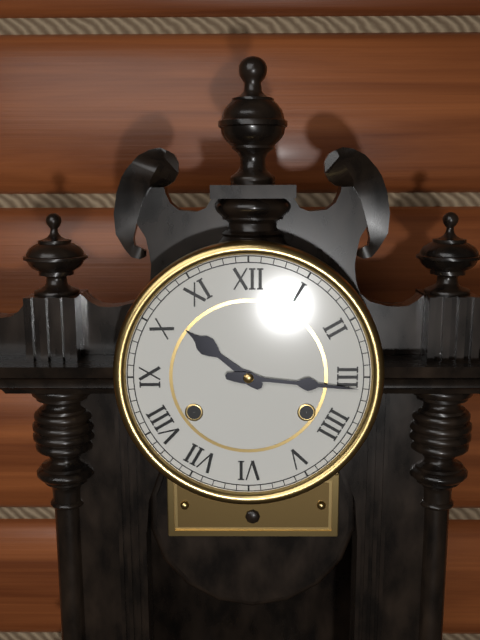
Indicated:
10.16
